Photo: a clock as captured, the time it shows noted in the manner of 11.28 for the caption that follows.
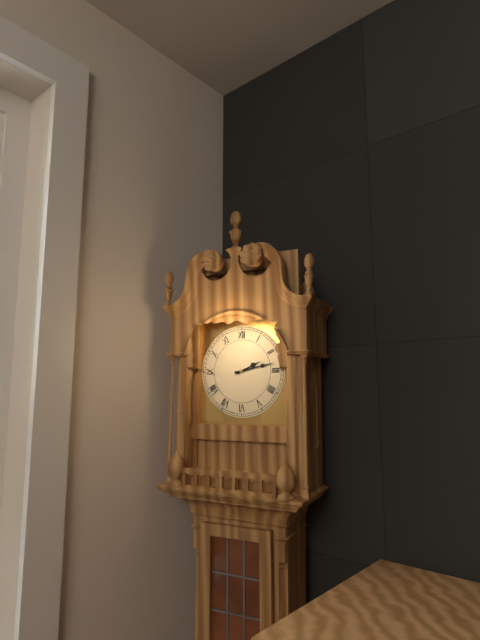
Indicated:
2.13
